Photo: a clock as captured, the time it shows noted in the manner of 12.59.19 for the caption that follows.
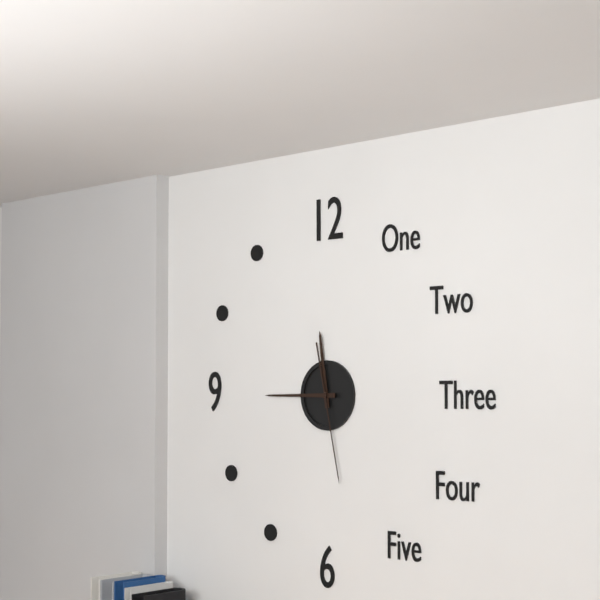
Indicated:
11.45.28
